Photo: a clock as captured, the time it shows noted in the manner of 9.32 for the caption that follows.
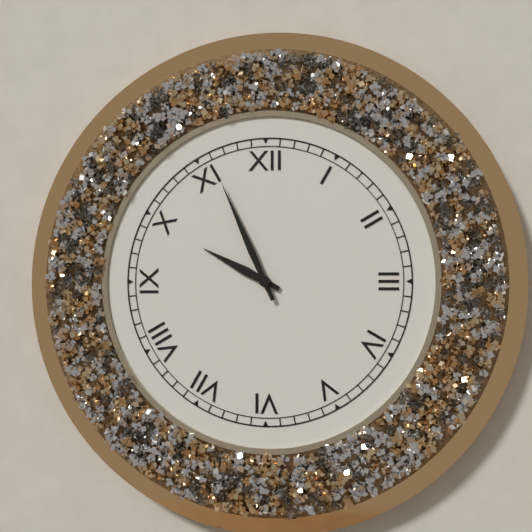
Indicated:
9.56
